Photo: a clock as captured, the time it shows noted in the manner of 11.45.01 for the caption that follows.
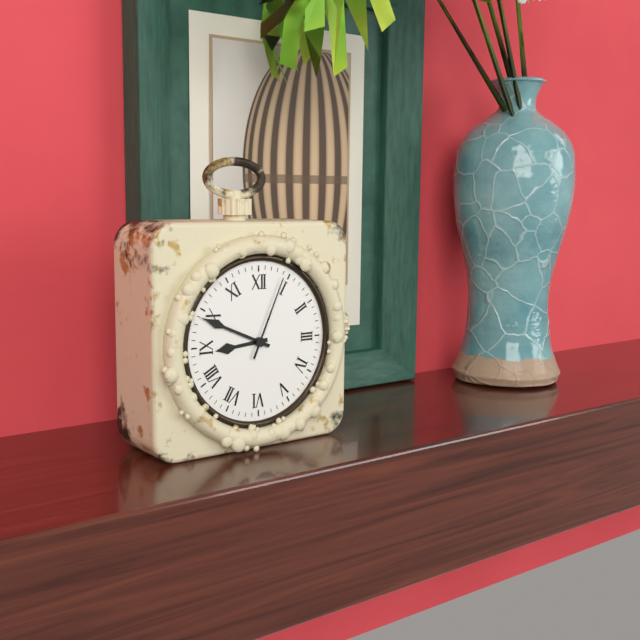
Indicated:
8.49.04
